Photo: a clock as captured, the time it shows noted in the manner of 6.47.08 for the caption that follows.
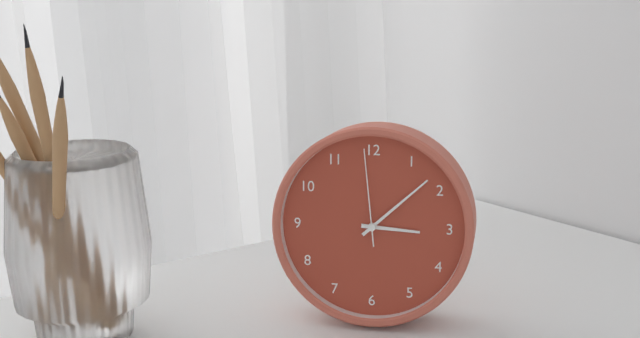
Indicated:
3.08.59
